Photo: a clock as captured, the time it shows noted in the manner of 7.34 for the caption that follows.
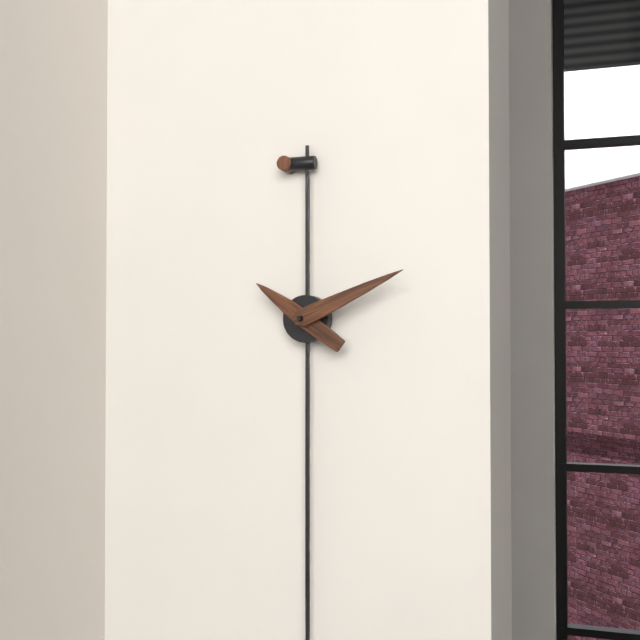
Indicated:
10.11
